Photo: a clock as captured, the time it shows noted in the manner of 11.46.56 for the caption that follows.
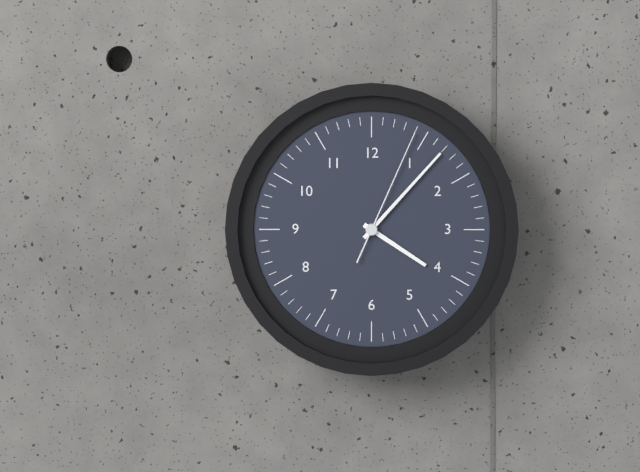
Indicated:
4.07.04
